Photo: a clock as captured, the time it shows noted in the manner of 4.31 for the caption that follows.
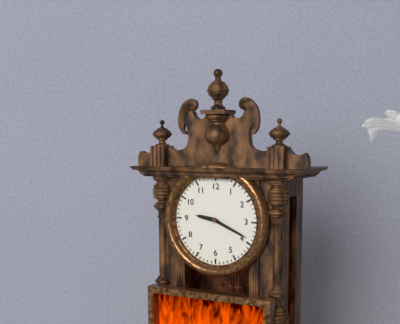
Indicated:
9.19
